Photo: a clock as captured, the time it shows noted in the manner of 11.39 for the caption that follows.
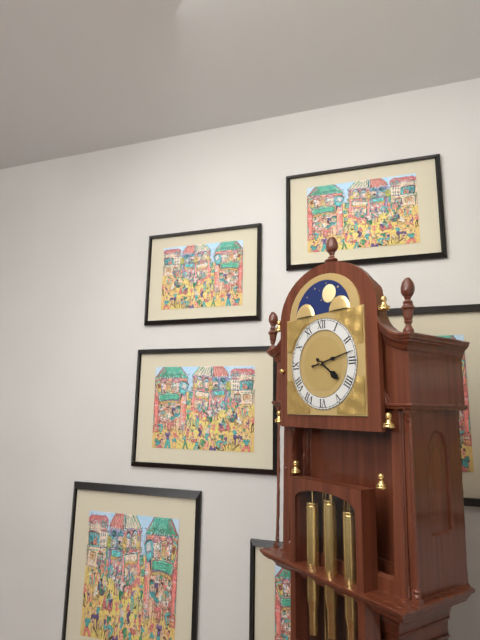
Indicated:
4.13
